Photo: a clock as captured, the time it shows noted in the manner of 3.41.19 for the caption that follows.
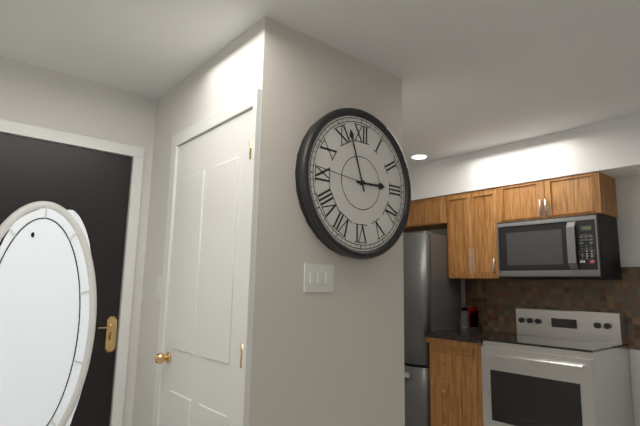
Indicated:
2.57.46
